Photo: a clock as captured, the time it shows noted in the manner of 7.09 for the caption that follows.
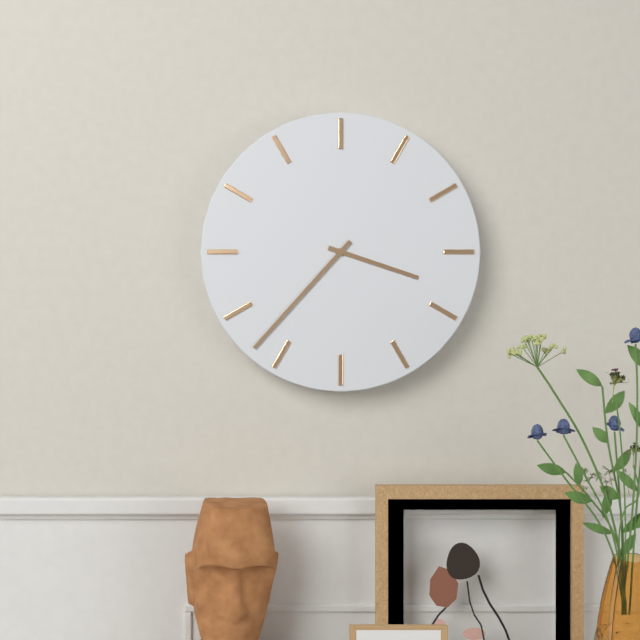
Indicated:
3.37
